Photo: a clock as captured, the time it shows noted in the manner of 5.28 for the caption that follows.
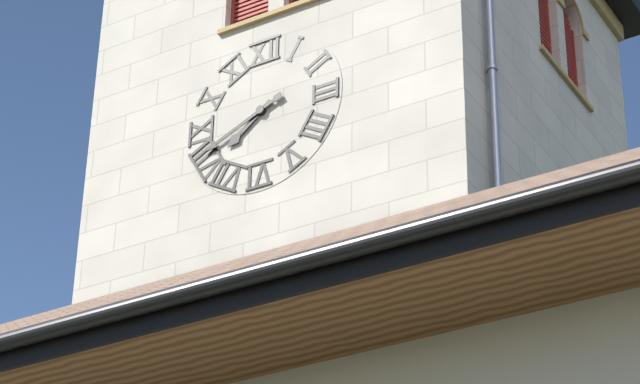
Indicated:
7.41
